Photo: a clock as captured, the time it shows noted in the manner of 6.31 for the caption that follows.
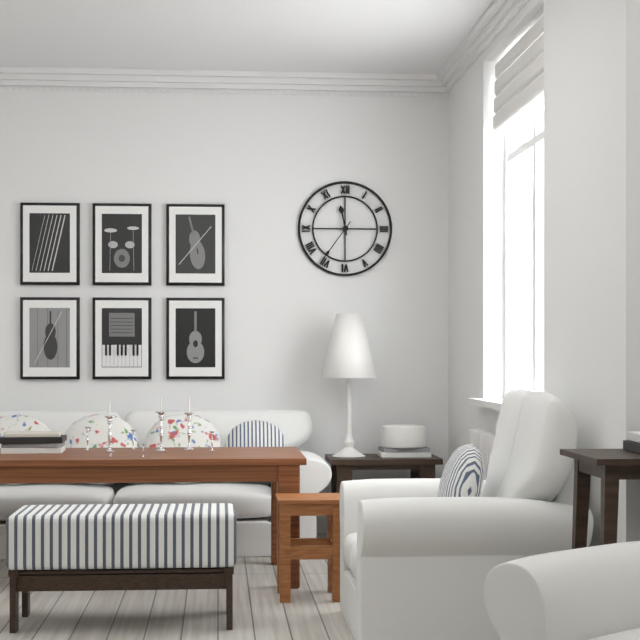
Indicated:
11.36
